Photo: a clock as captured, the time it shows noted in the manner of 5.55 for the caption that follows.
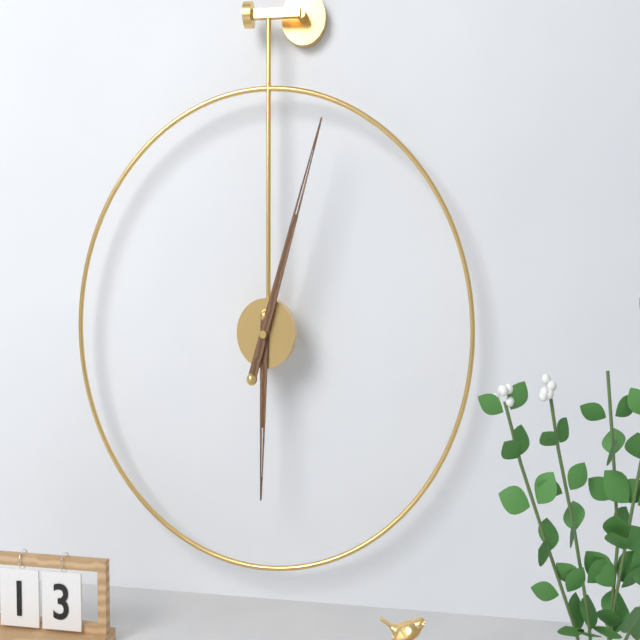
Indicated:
6.03
